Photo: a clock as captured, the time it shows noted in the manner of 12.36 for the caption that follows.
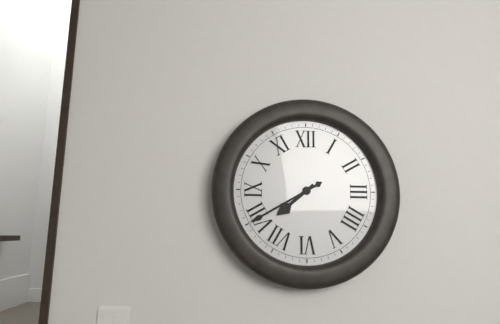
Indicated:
7.40
